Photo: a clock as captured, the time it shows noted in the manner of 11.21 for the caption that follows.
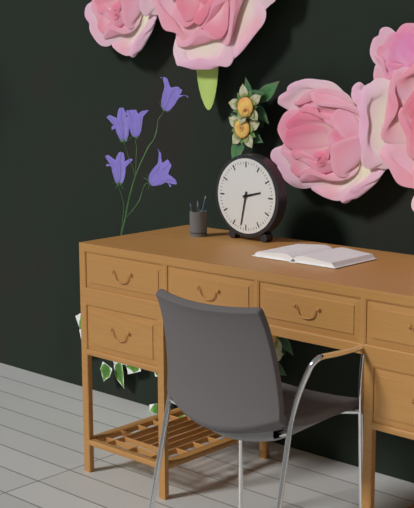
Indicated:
2.32
